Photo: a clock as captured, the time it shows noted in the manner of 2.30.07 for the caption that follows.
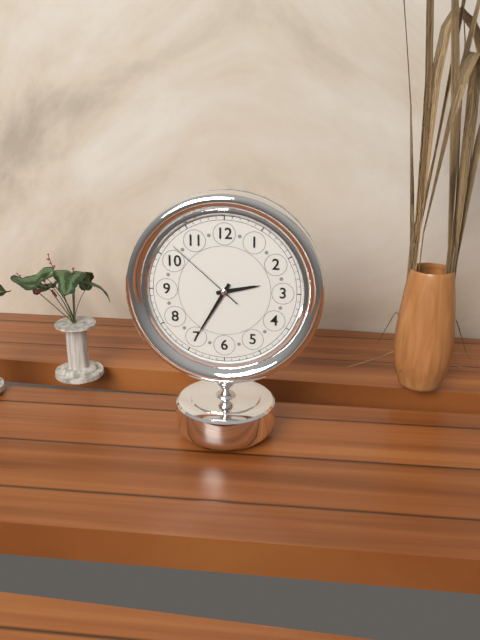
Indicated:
2.35.52
